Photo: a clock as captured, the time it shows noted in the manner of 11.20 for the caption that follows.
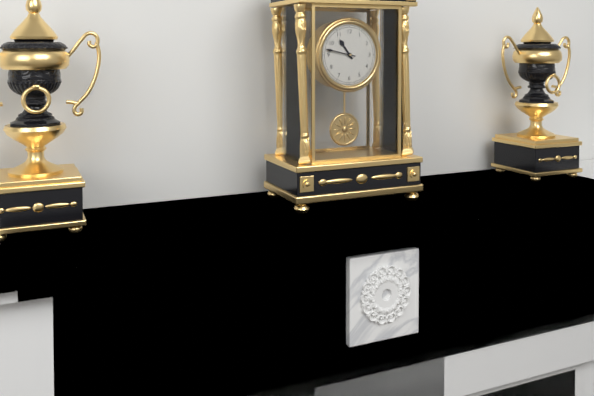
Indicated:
10.47
